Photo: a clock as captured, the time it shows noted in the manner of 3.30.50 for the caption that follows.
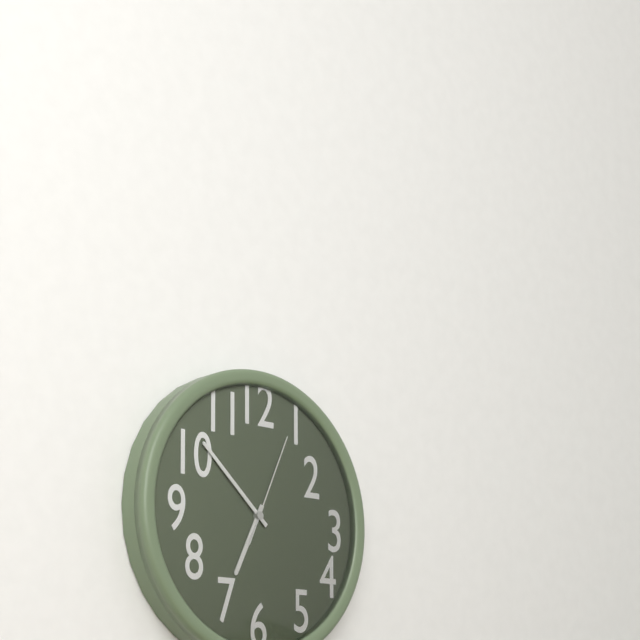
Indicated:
6.52.04
